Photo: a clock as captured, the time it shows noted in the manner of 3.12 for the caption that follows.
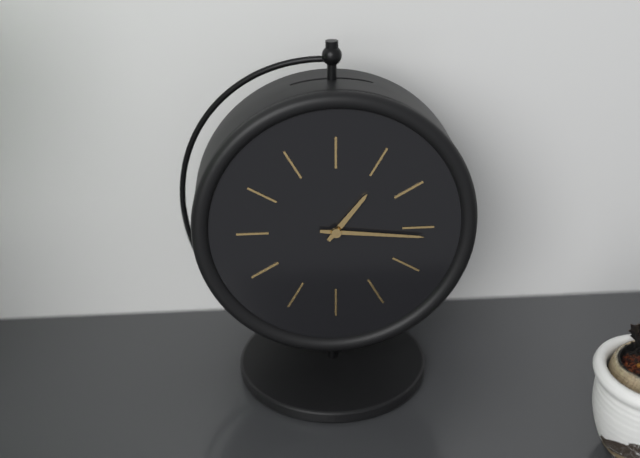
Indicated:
1.16
